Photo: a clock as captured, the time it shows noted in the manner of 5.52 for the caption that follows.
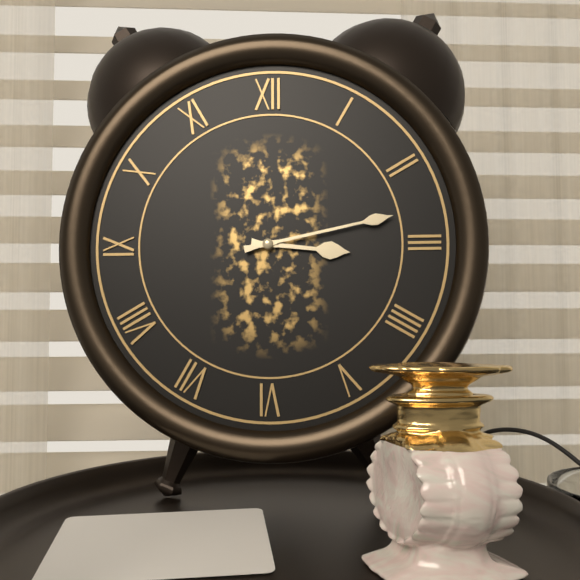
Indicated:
3.13
